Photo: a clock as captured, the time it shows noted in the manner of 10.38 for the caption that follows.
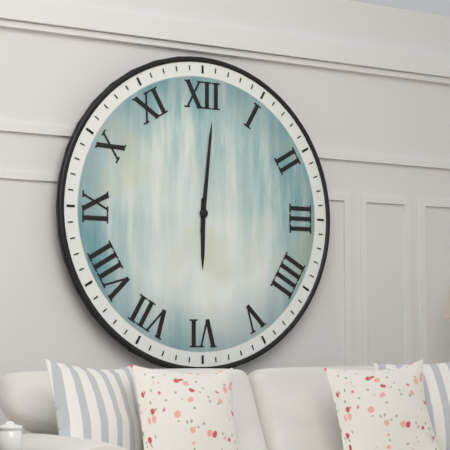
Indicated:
6.01
